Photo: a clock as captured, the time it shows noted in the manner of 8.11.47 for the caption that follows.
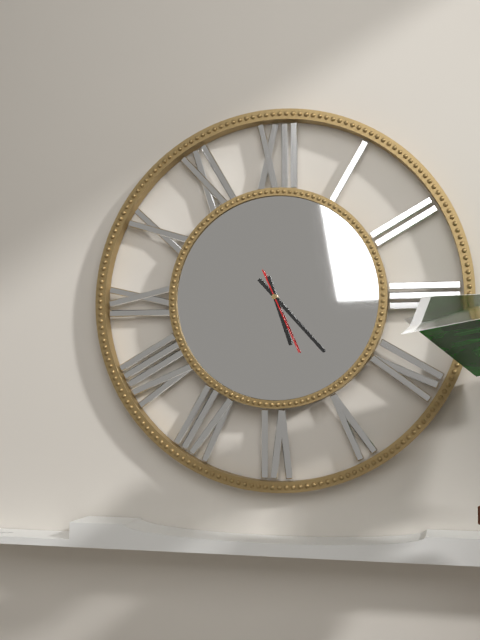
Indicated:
5.23.26
